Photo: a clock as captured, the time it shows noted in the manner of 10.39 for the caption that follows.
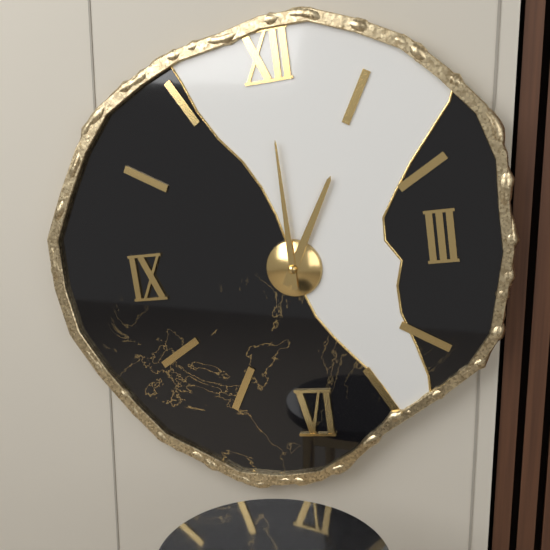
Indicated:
1.00
